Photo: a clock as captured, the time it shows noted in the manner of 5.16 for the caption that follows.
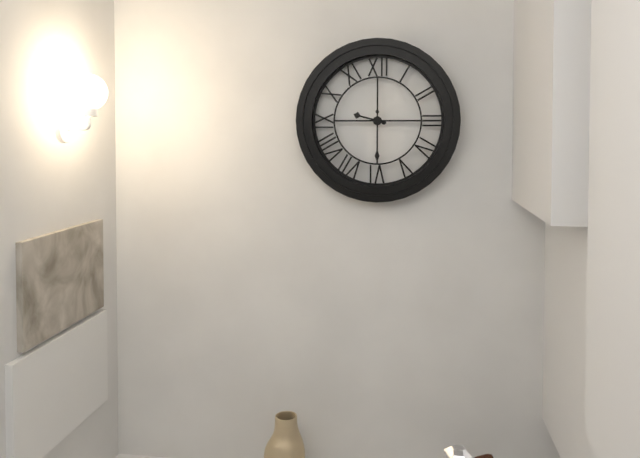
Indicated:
9.30
